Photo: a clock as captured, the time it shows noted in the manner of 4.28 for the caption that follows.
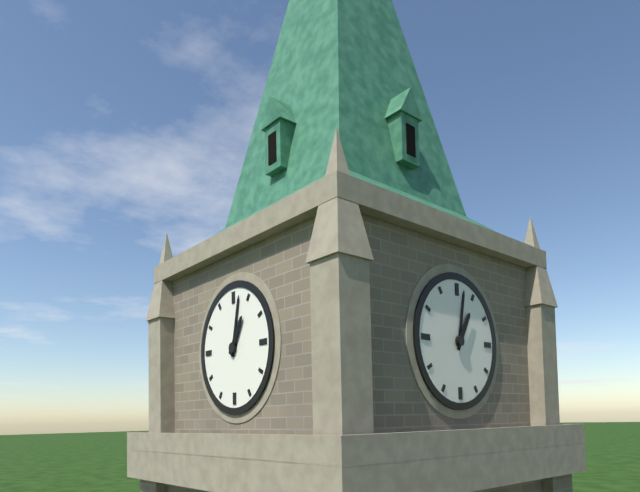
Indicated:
1.02
